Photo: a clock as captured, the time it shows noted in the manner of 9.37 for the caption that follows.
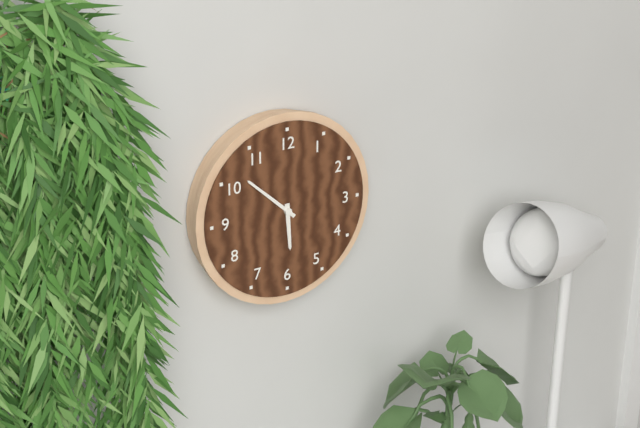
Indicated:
5.52
